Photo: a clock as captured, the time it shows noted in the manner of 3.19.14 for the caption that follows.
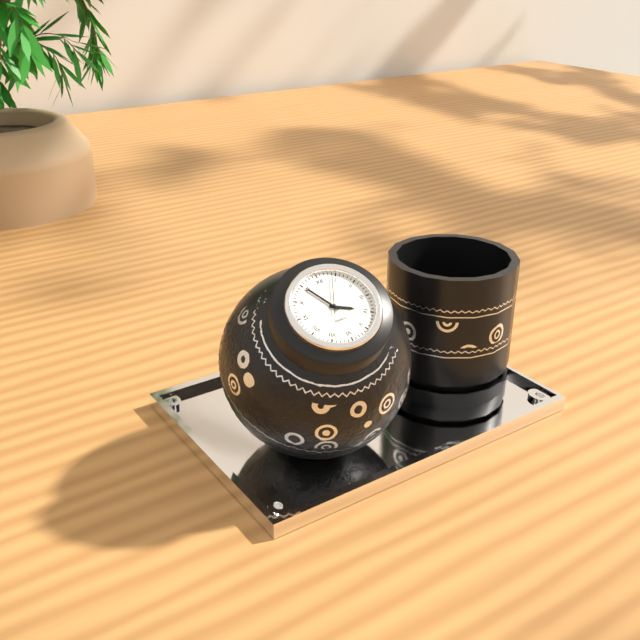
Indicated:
3.55.04
